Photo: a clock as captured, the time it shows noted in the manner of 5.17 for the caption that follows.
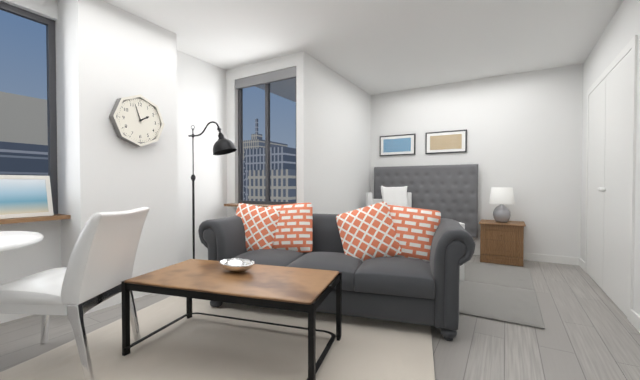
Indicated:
1.57
